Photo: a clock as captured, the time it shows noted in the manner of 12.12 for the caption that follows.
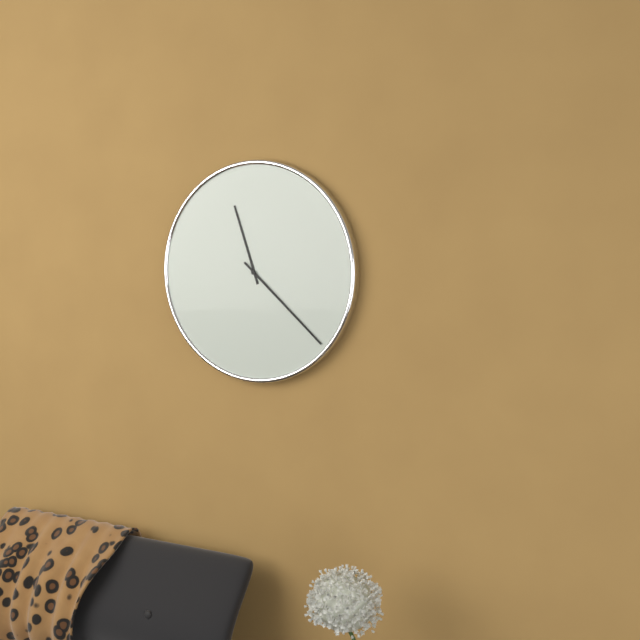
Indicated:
11.22
